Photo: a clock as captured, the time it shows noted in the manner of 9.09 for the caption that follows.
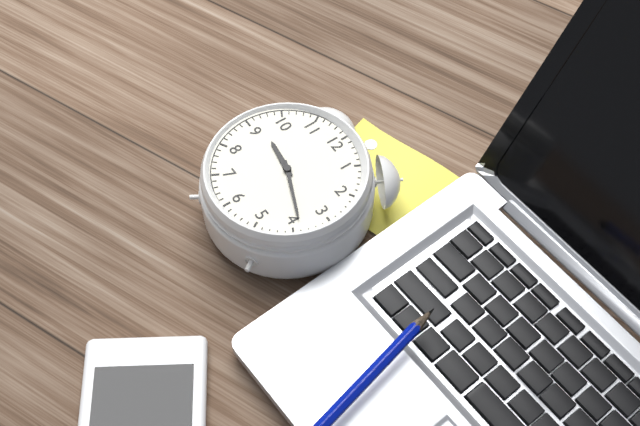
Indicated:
9.19
